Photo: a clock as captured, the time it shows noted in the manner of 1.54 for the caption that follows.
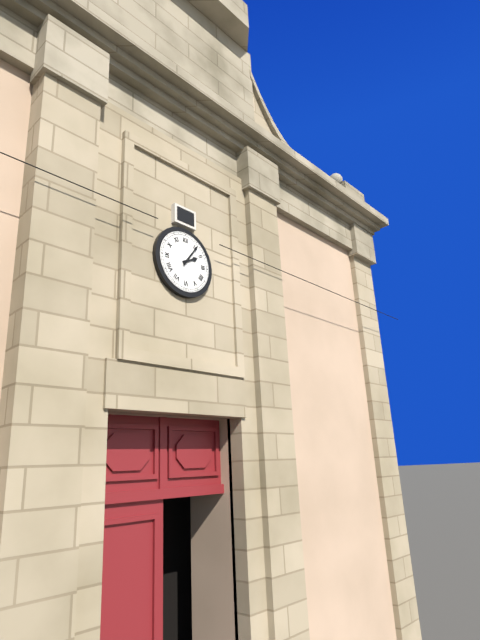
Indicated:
2.06
